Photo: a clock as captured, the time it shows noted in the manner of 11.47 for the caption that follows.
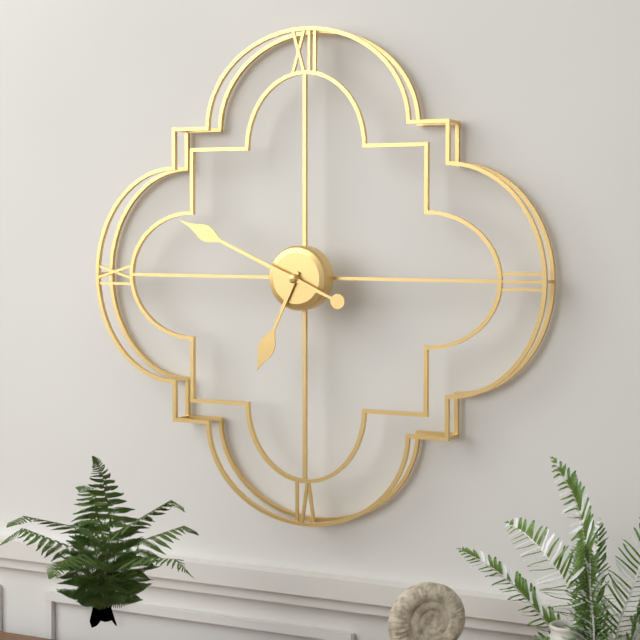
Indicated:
6.49
